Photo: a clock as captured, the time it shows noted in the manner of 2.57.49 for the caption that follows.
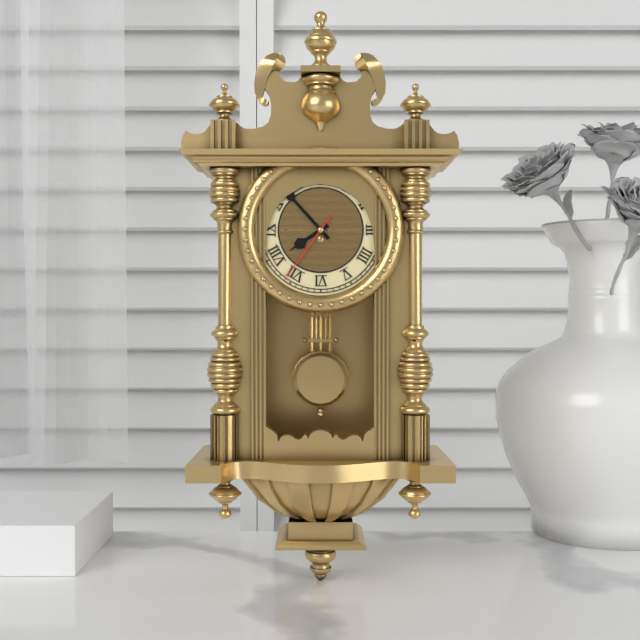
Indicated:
7.53.36
